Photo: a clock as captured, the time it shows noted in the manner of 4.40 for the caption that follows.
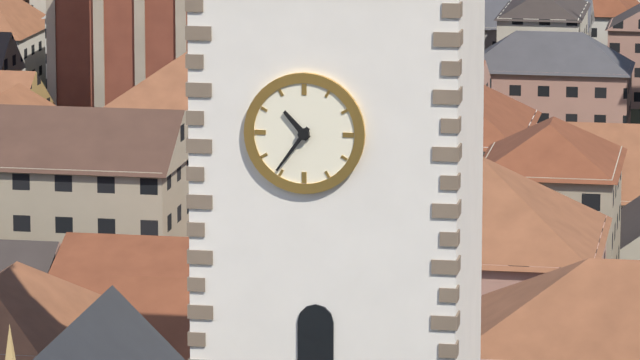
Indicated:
10.36
